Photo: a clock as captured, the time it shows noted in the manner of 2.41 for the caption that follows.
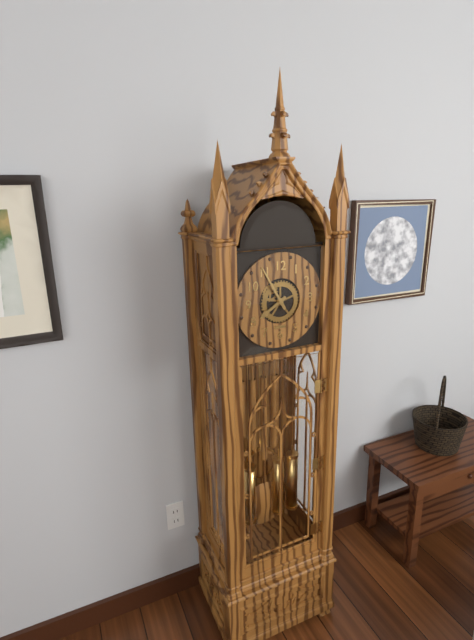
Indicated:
7.55
